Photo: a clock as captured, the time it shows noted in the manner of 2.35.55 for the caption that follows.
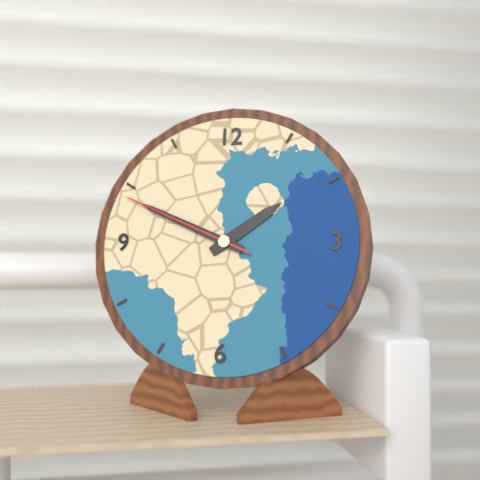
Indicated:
1.49.49
